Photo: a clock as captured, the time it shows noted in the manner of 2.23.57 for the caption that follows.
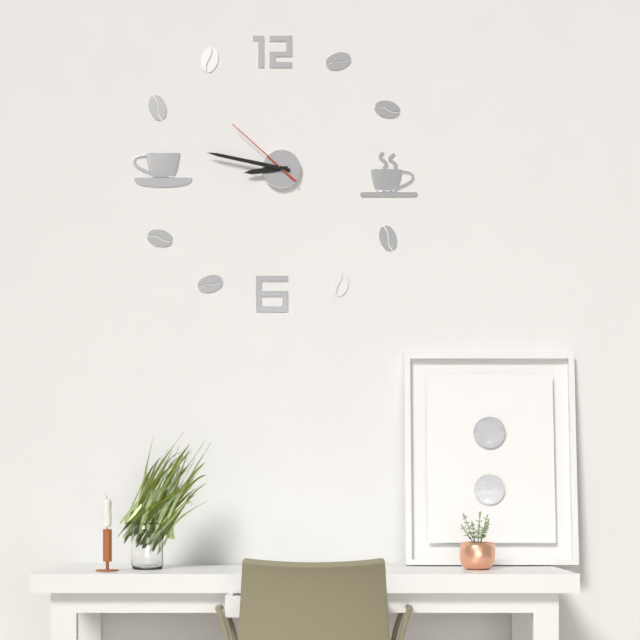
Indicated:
8.47.52
